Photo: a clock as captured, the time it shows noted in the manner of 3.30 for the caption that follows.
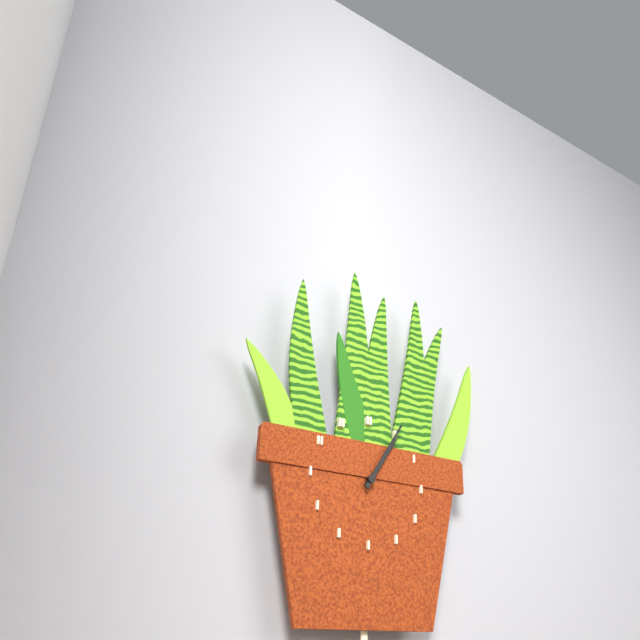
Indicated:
1.05
